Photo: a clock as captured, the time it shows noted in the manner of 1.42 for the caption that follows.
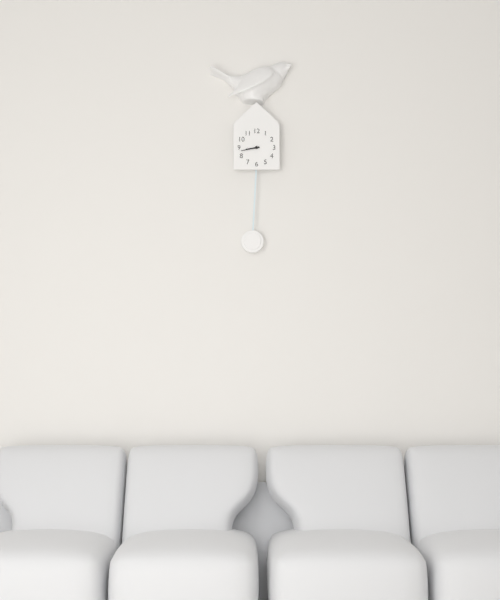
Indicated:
8.43
